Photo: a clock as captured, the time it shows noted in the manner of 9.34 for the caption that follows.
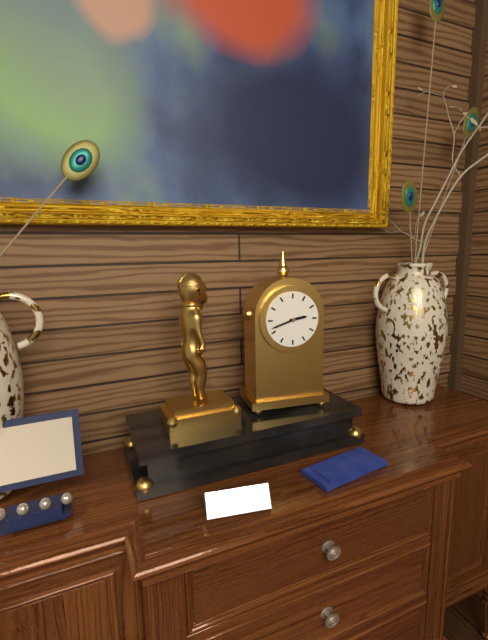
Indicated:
2.42
